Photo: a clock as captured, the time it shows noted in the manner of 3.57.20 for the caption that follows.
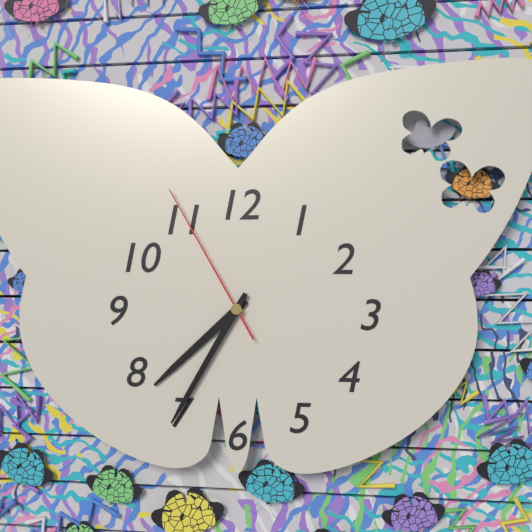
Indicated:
7.35.55
